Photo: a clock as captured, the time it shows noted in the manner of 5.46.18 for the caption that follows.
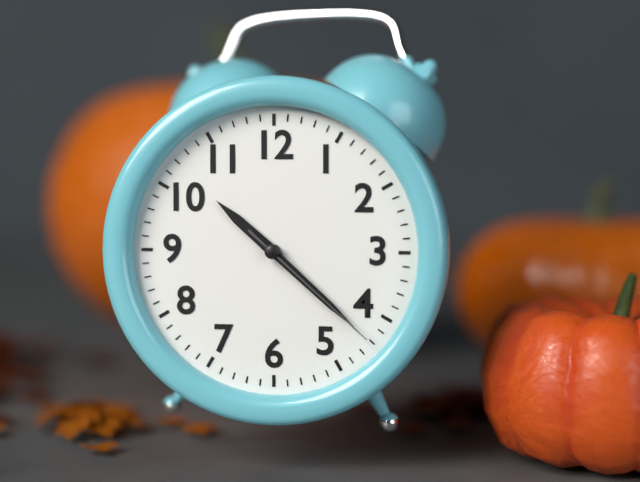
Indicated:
10.22.22
